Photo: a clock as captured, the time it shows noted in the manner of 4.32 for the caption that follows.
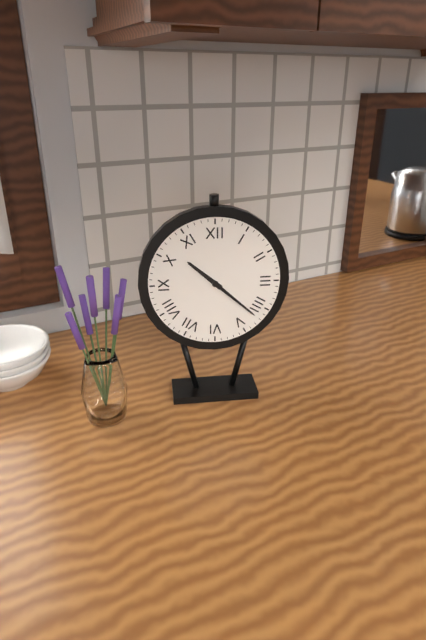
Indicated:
10.22
